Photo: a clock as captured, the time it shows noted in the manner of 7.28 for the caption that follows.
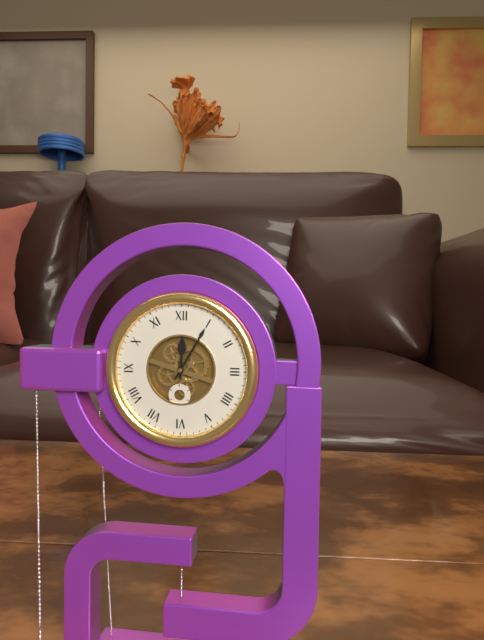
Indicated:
12.05
